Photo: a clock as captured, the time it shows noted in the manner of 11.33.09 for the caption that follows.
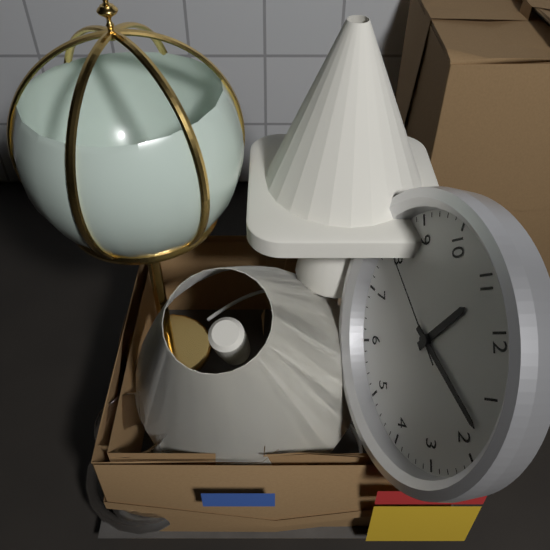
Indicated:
11.08.40
